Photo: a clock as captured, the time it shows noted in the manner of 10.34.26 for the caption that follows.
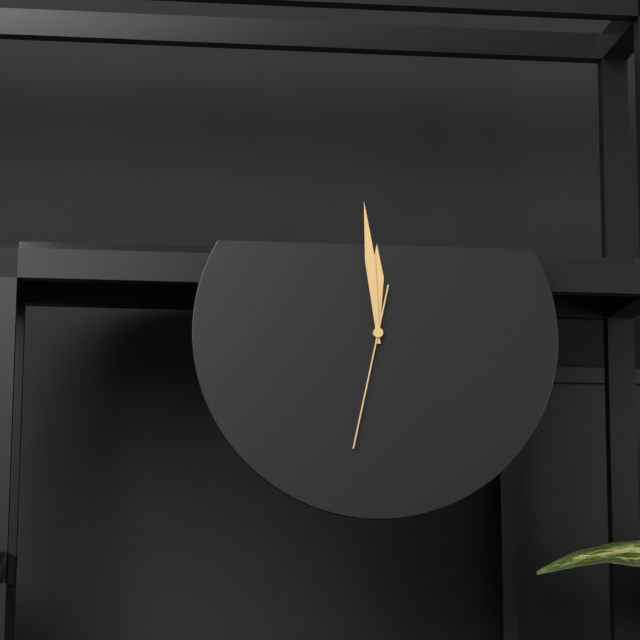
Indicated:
11.59.32
